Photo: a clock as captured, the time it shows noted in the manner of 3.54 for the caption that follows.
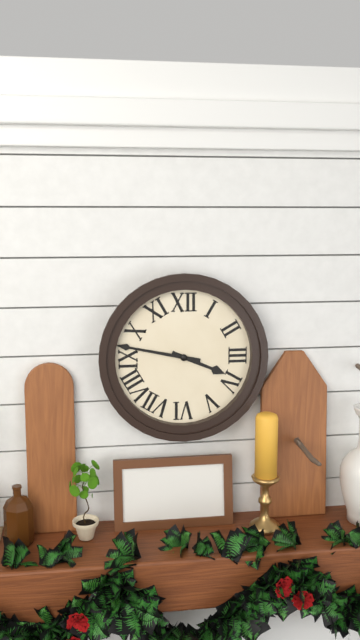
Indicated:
3.47
